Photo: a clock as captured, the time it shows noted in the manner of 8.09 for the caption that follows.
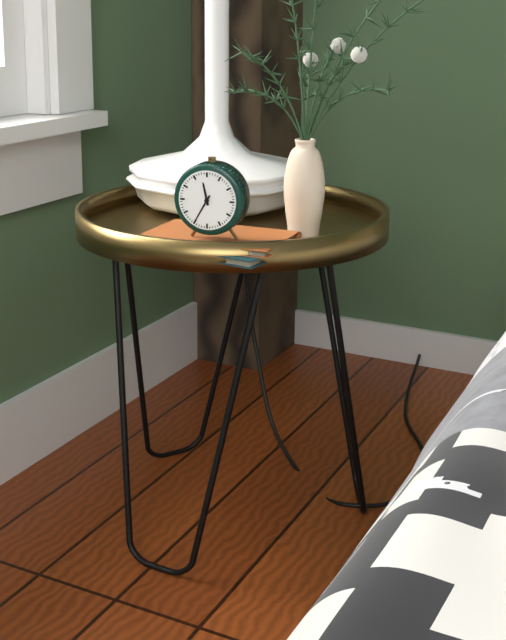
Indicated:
11.35
